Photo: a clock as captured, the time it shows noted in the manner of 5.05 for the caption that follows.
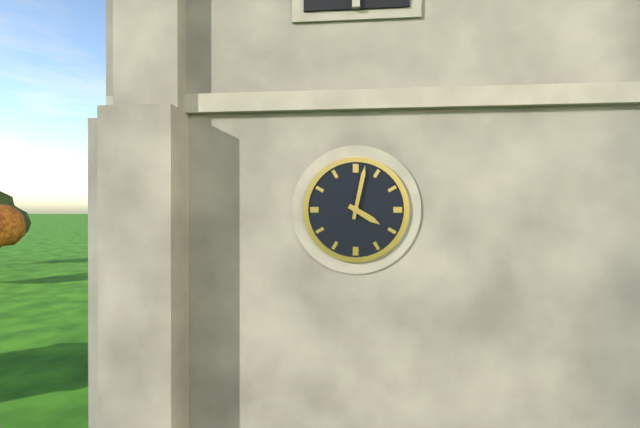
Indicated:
4.02
